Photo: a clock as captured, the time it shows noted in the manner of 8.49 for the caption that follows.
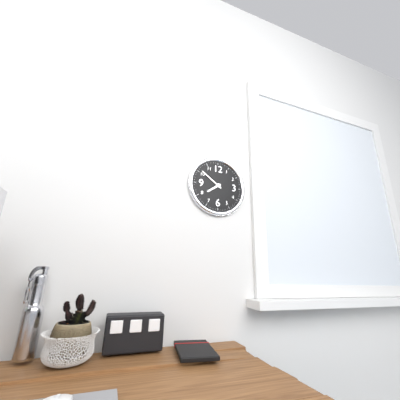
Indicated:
7.51
